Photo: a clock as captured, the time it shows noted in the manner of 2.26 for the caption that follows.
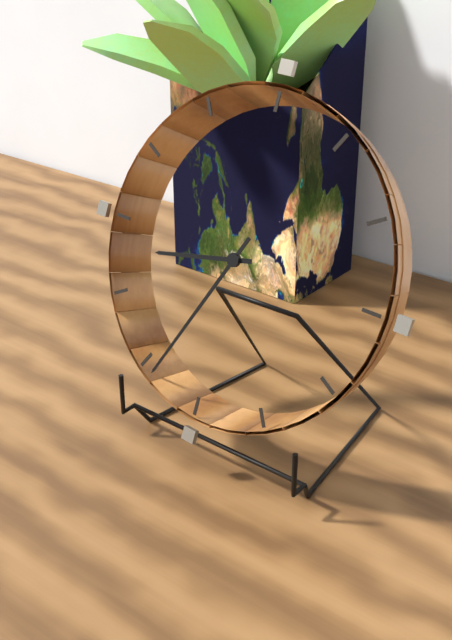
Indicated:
8.34
